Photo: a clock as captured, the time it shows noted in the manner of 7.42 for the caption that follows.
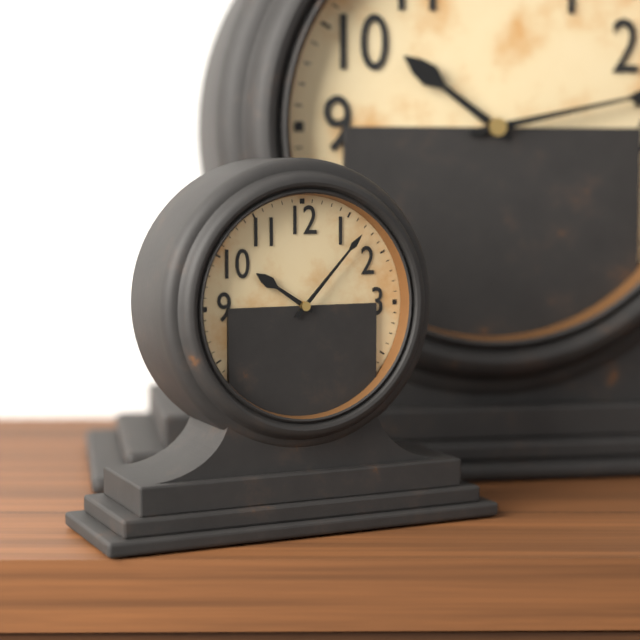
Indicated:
10.07
